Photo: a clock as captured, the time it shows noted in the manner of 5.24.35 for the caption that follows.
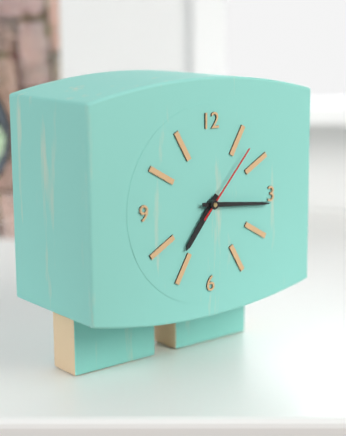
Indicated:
7.16.07
